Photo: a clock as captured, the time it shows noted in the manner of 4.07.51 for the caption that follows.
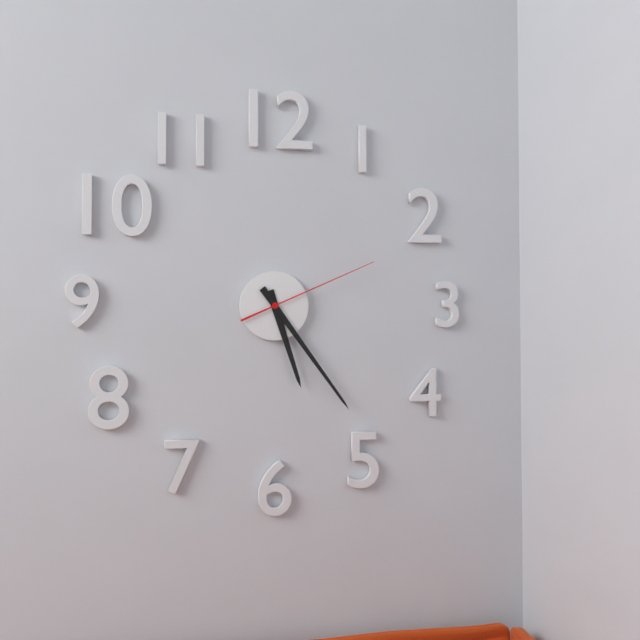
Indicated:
5.24.11
